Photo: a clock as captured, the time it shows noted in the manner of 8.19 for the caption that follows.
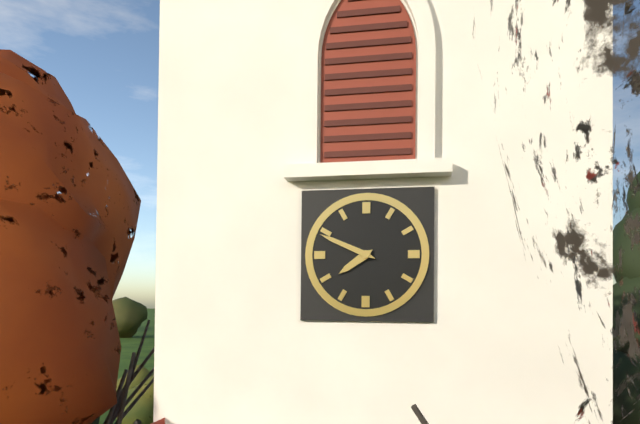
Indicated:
7.49
